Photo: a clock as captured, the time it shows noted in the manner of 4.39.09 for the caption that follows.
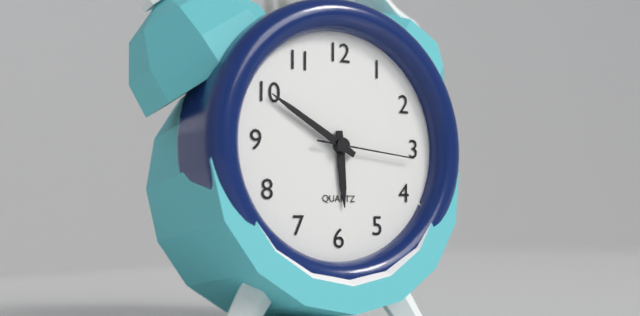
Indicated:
5.50.16
